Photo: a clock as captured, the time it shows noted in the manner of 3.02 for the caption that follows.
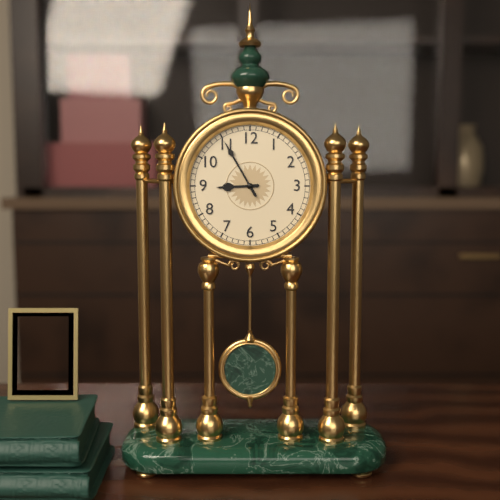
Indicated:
8.55
